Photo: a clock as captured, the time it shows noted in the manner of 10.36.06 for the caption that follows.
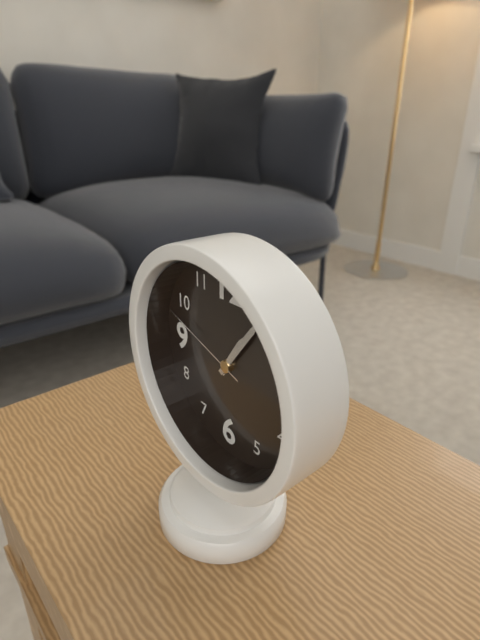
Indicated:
1.06.48
